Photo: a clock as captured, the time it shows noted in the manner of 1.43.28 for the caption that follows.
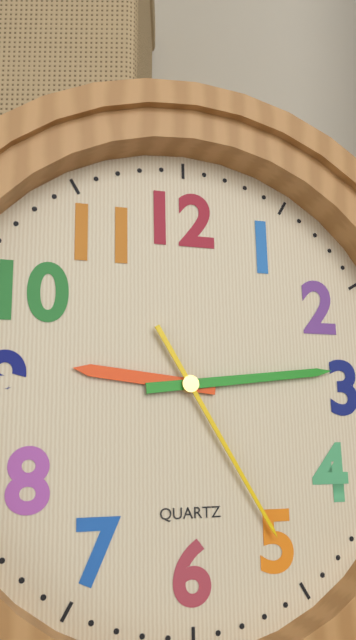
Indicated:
9.14.25
